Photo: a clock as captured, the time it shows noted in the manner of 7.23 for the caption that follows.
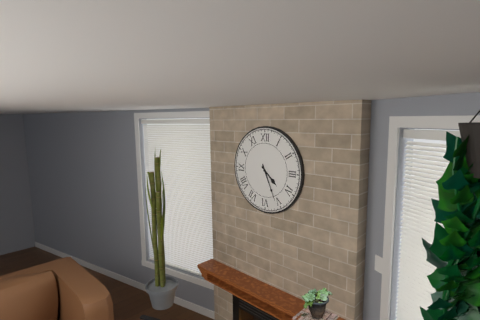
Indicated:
4.26
